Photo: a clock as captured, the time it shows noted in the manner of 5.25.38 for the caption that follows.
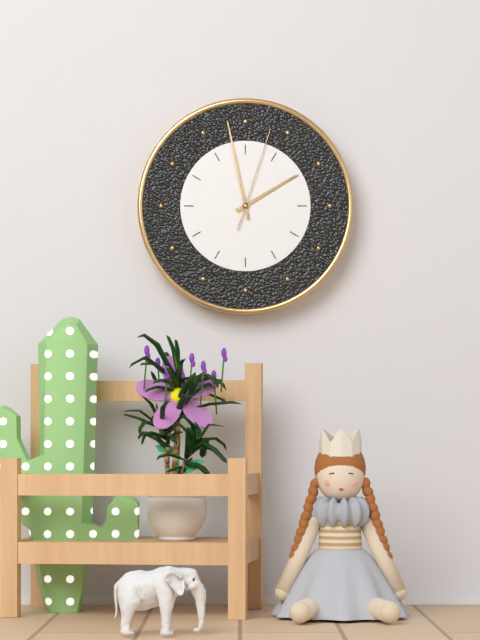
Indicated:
1.58.03
